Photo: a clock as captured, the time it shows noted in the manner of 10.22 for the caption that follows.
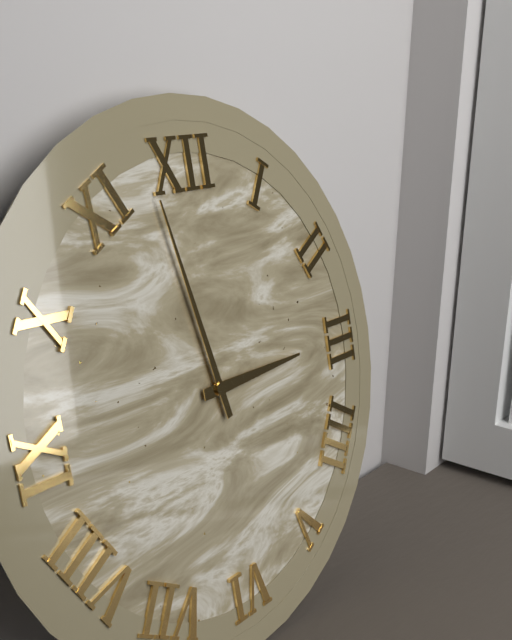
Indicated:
2.58
